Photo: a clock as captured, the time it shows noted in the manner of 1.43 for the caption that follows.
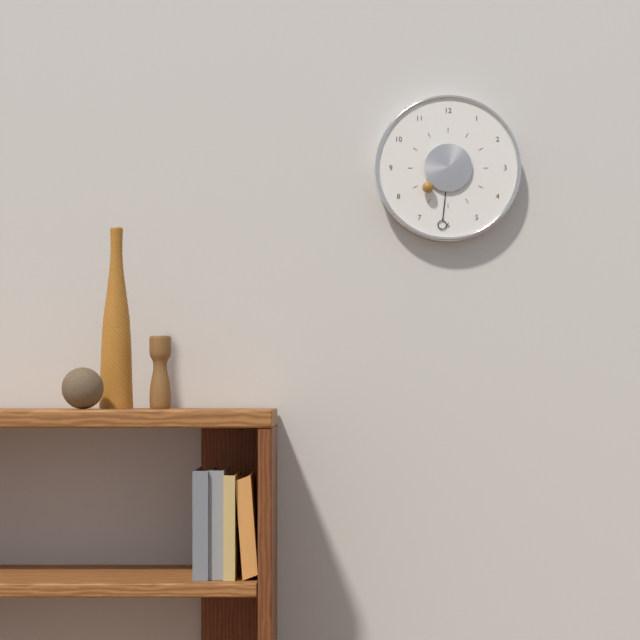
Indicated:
7.31
